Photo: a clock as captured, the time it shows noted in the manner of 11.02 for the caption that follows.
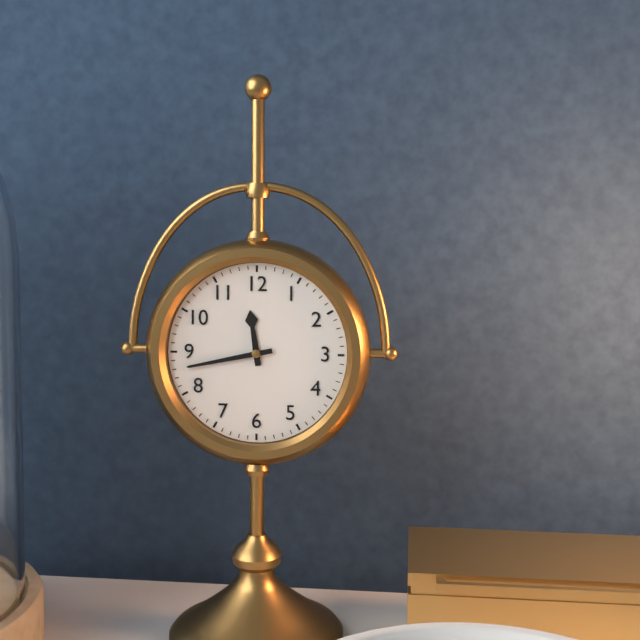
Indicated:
11.43
